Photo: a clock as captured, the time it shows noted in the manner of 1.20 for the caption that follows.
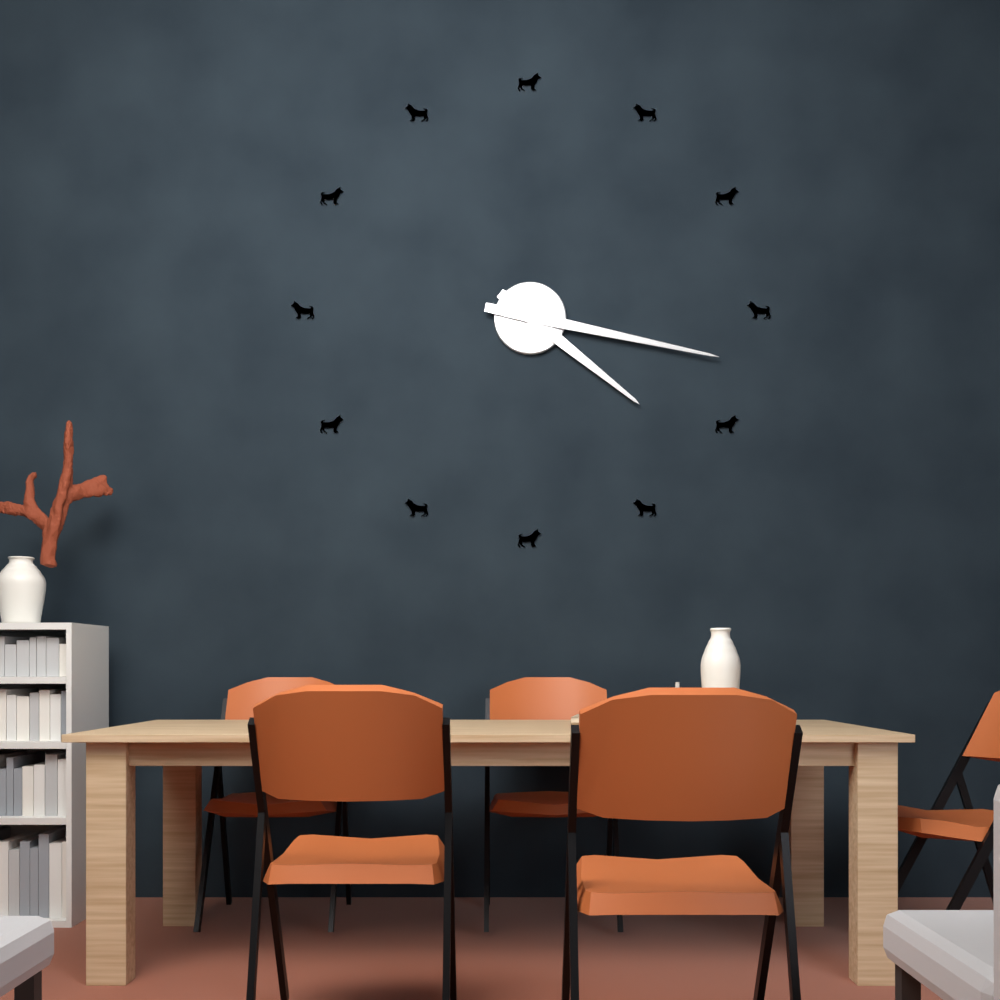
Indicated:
4.17
